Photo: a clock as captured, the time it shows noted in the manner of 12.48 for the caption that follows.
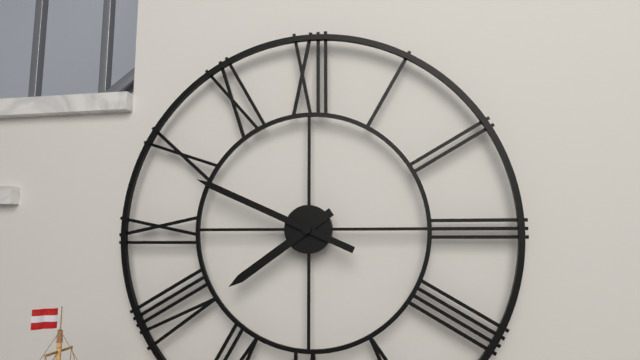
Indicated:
7.49
